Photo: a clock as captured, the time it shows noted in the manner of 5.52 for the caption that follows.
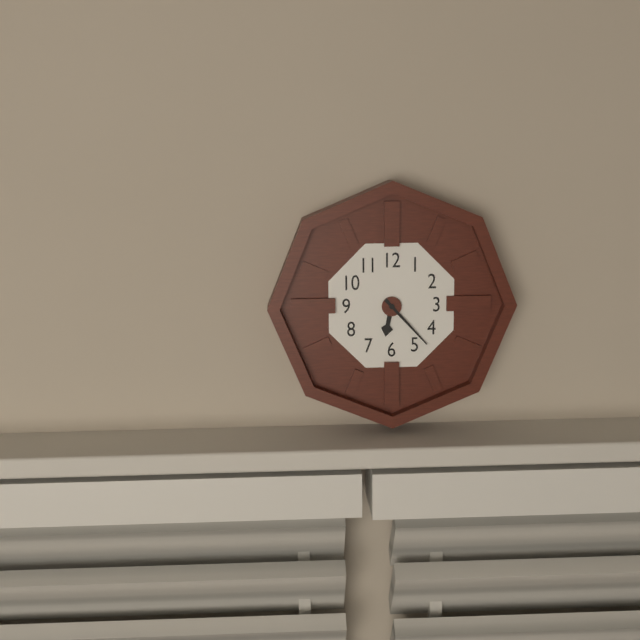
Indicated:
6.23
